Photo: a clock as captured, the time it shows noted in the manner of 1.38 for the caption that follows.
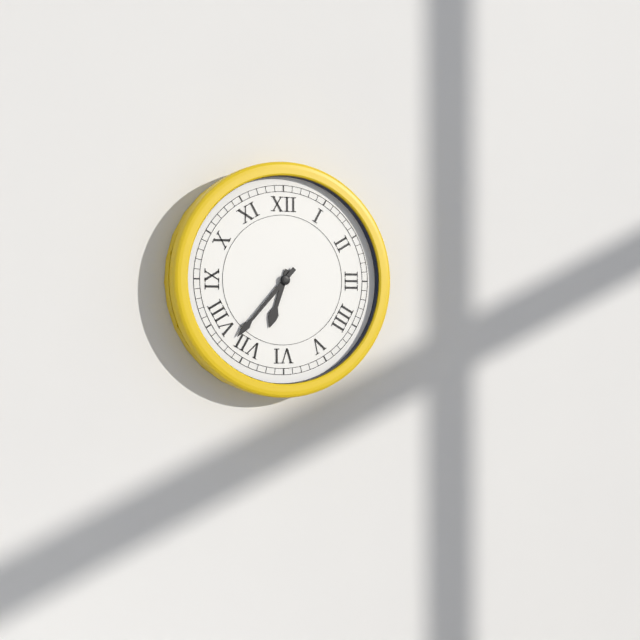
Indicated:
6.37
